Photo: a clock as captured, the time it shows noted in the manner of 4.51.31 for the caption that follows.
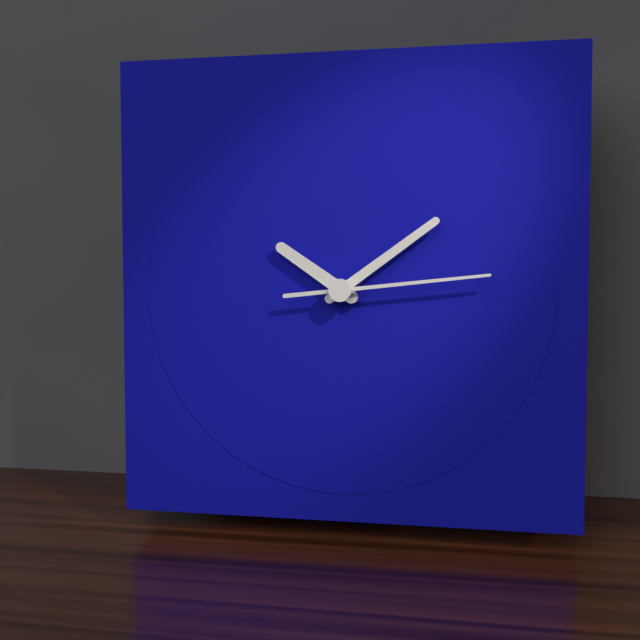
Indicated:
10.09.14
